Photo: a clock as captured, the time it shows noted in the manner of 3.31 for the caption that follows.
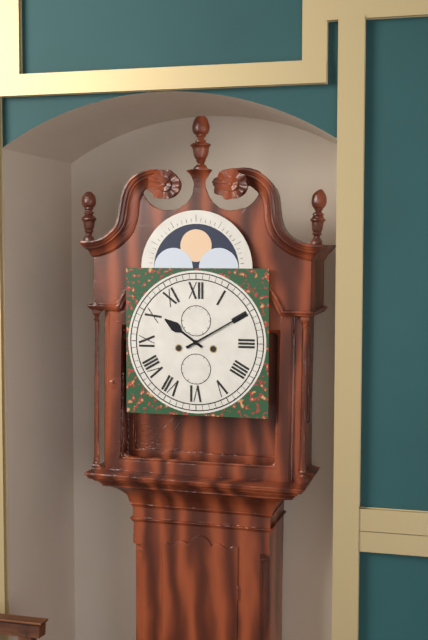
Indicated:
10.10
